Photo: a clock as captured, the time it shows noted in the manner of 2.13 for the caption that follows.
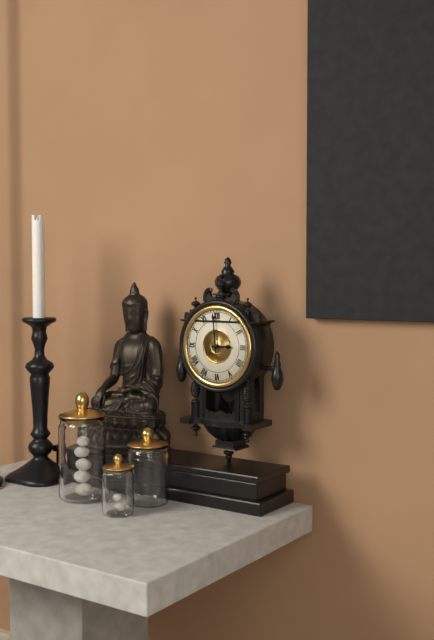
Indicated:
2.59
